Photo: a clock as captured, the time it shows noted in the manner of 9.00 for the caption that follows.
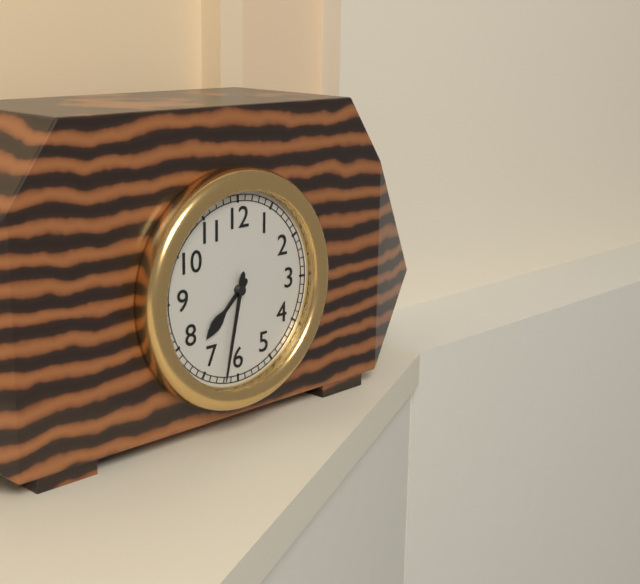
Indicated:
7.32
